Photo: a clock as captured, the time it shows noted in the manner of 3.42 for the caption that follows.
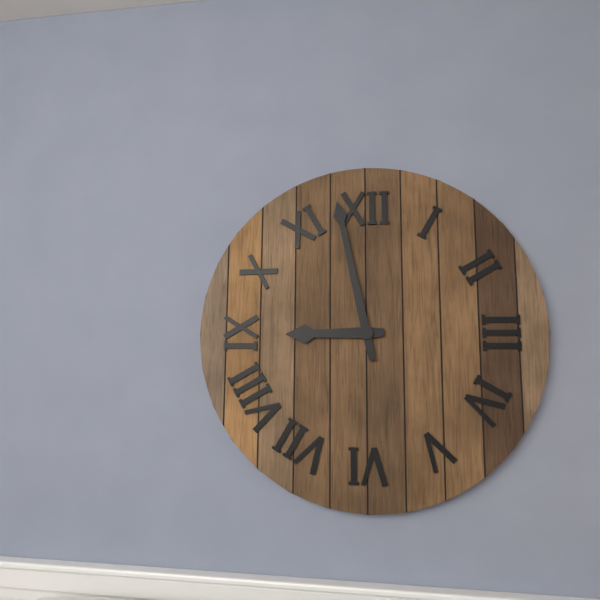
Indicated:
8.58
